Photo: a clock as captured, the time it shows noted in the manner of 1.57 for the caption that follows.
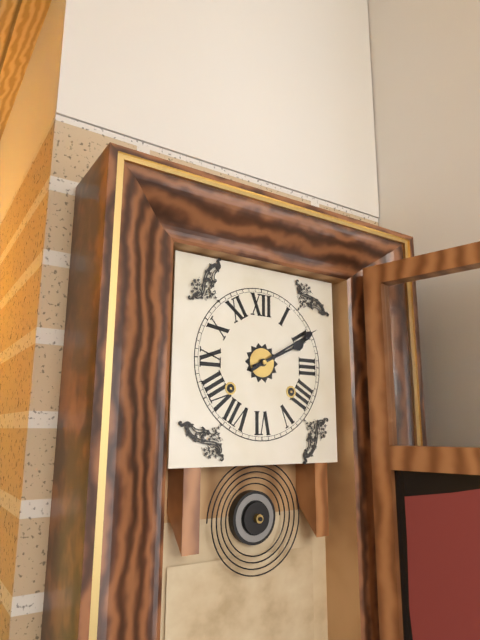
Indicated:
2.10
